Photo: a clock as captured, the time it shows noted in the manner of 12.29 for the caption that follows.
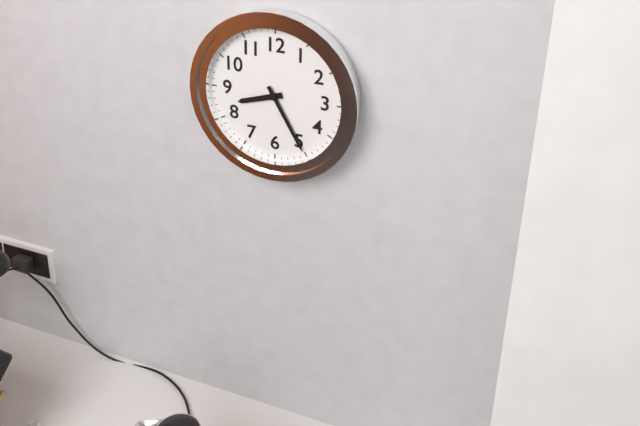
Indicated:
8.25
